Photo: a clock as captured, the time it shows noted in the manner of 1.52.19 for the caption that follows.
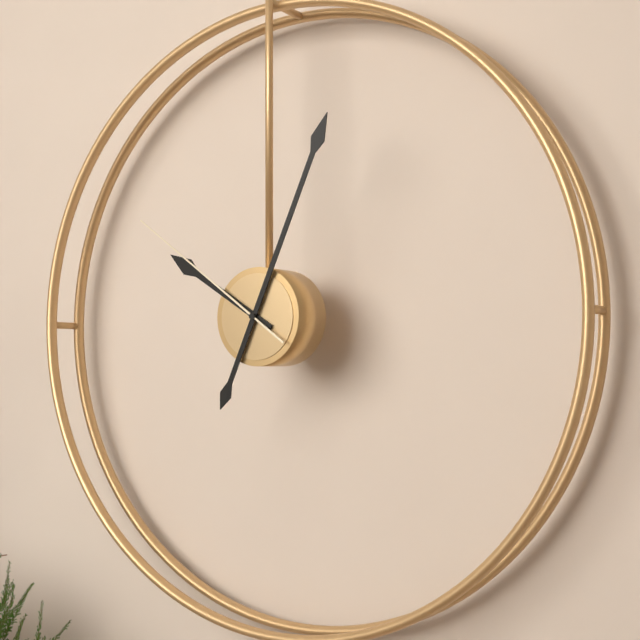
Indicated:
10.04.51
